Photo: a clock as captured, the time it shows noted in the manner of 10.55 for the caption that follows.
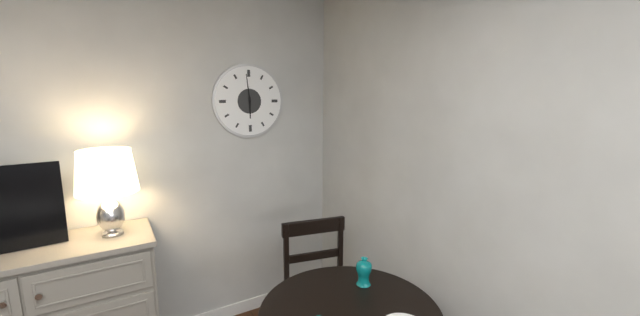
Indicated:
5.59
